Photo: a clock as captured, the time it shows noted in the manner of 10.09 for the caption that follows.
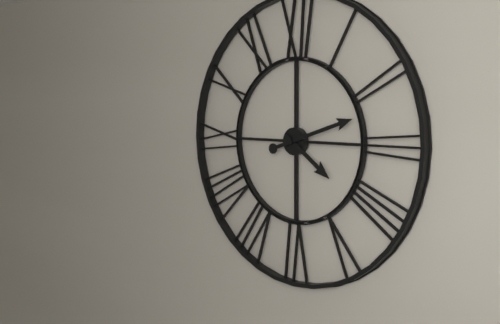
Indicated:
4.12
